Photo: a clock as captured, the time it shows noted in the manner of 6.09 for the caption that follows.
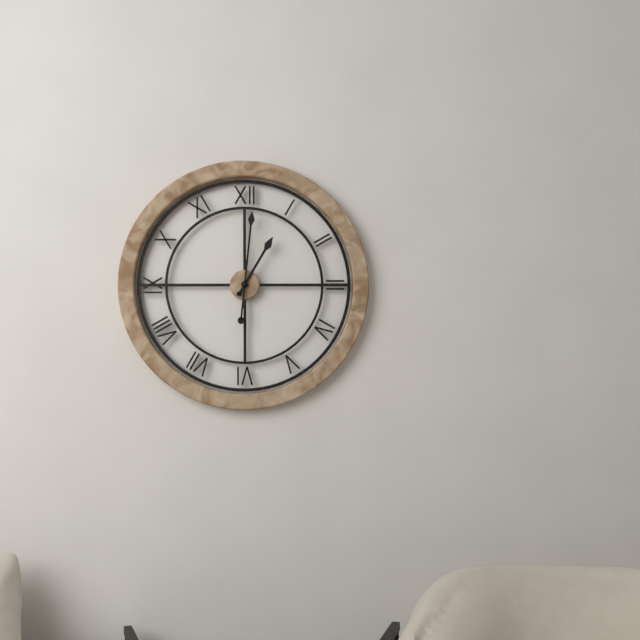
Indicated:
1.01
